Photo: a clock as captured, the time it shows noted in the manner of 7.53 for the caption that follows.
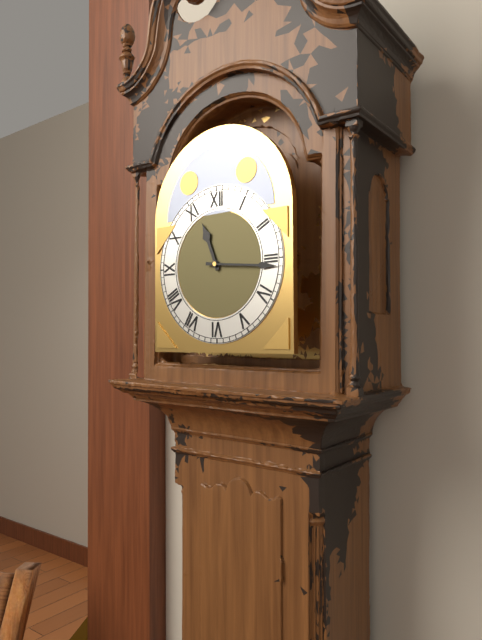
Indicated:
11.16
